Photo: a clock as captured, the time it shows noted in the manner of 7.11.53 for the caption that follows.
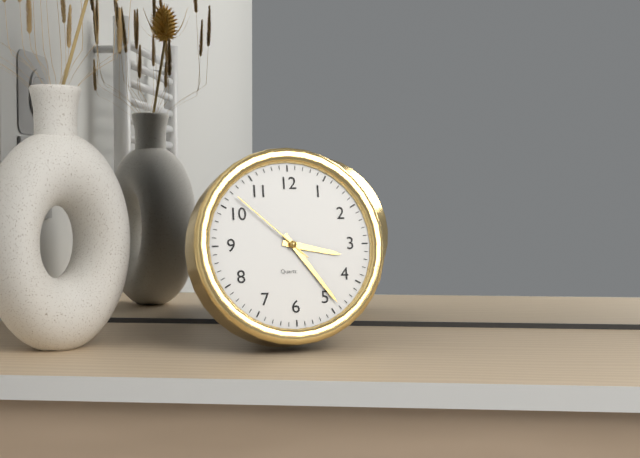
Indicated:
3.24.52
